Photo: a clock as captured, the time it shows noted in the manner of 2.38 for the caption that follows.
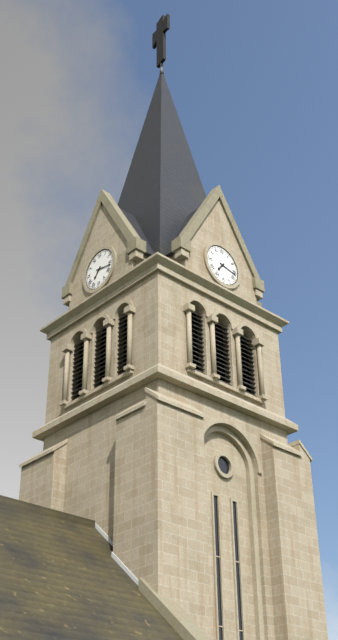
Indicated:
7.17
